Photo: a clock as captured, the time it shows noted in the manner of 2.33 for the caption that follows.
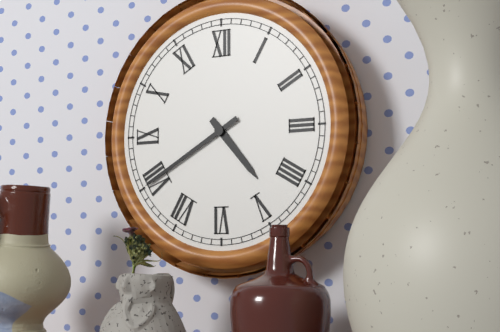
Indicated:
4.40
